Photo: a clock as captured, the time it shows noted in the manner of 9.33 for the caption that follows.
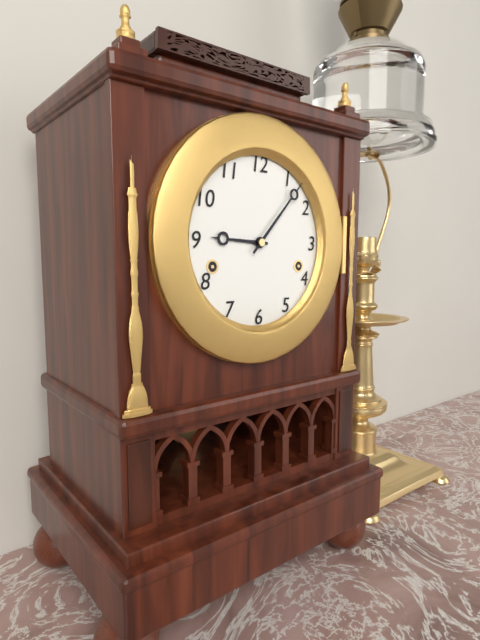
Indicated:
9.07
